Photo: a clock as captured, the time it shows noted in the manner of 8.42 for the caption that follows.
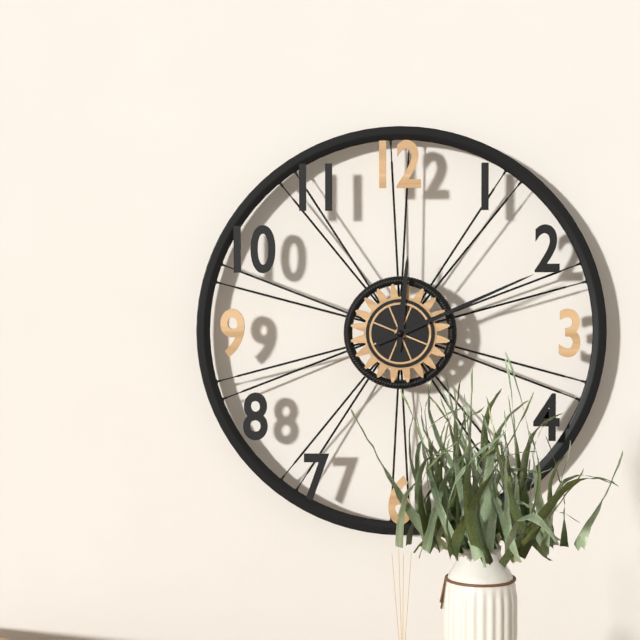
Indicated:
12.11
